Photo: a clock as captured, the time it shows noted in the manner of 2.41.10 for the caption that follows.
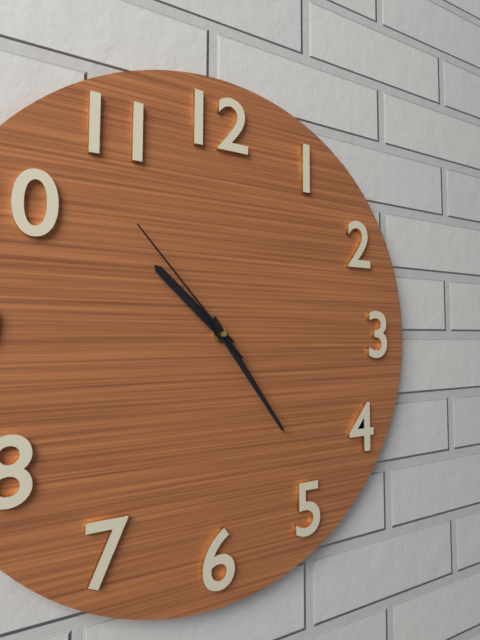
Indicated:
10.24.53
